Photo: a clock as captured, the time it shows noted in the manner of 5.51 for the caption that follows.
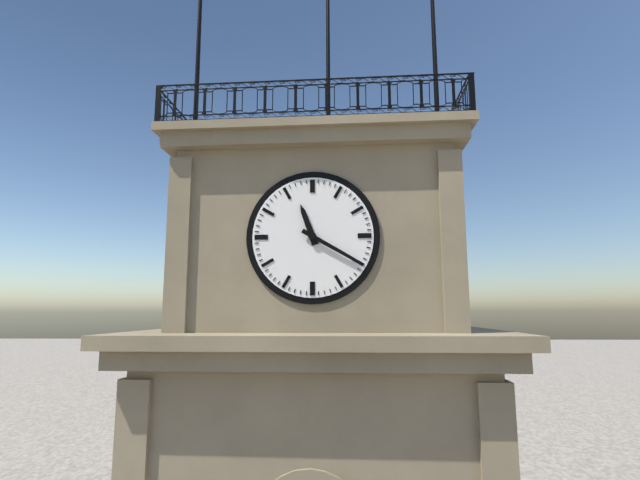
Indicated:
11.20
